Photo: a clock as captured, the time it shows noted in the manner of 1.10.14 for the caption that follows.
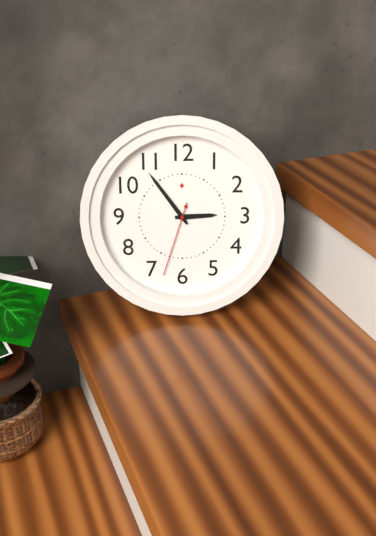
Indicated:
2.54.33
